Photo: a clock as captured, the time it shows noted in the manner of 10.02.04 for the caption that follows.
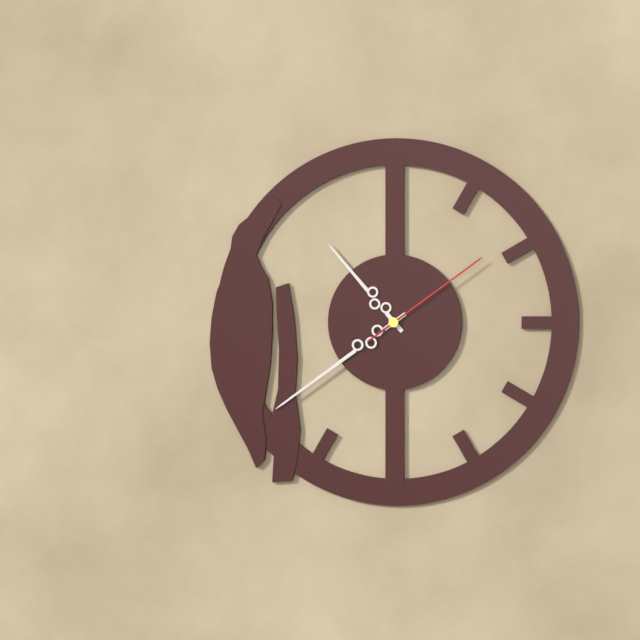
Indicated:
10.39.09
